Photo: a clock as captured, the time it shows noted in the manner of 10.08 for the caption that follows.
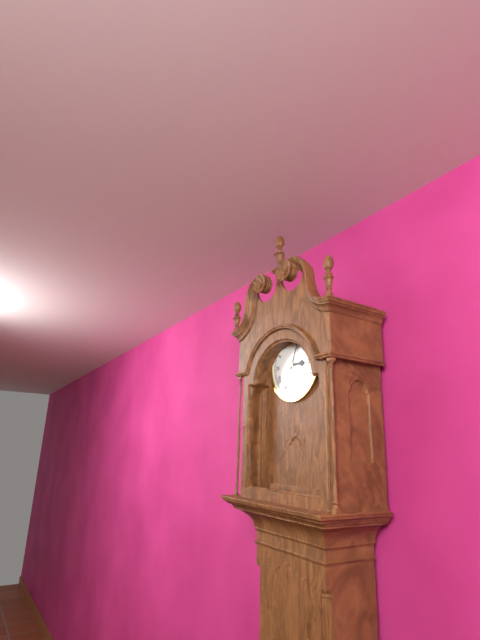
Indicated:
3.04
